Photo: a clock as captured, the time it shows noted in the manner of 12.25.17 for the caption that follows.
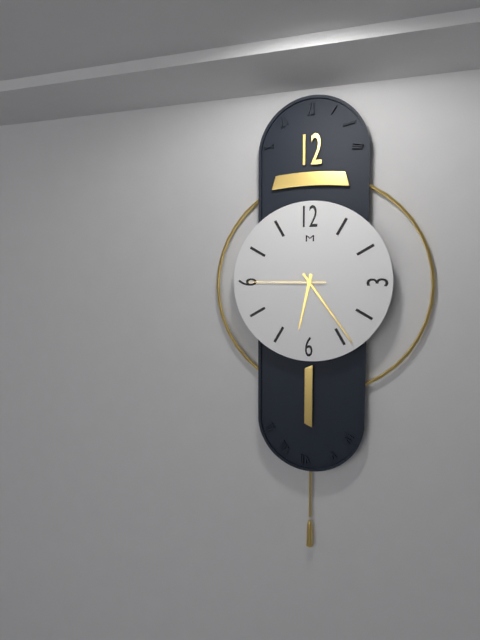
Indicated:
6.24.45
